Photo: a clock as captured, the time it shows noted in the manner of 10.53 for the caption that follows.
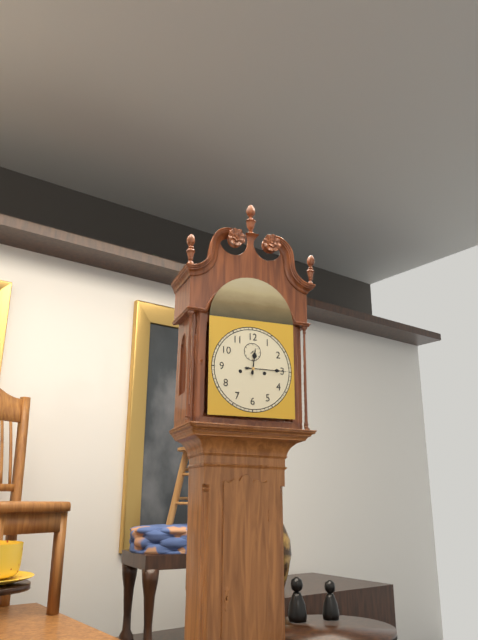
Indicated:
12.15
